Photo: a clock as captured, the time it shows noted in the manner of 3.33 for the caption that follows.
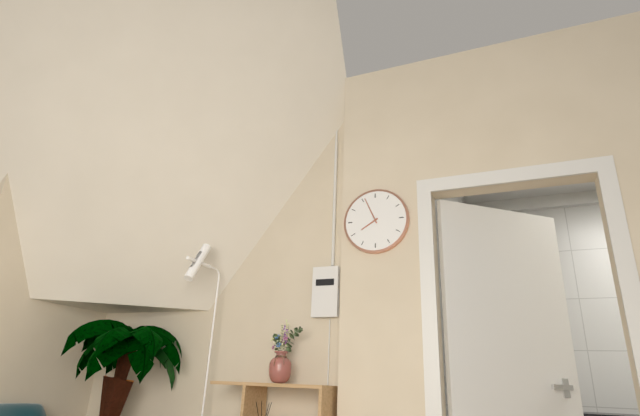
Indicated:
7.56
